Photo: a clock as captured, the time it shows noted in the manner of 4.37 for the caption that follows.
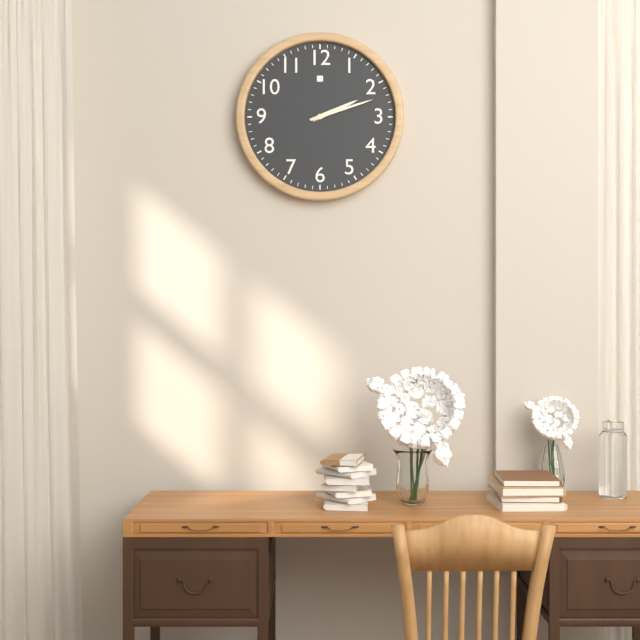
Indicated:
2.12
